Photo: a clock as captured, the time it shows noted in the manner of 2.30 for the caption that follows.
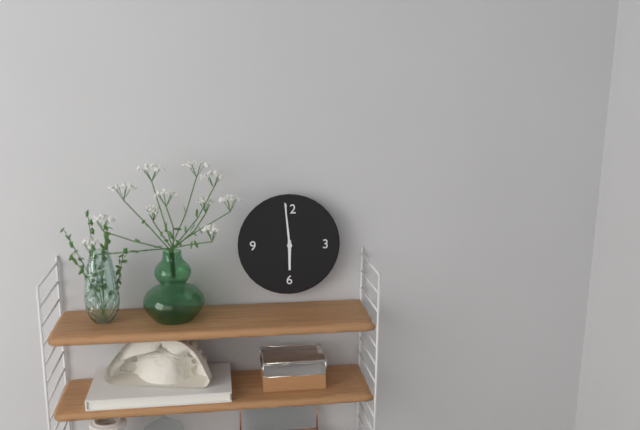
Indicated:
5.59
